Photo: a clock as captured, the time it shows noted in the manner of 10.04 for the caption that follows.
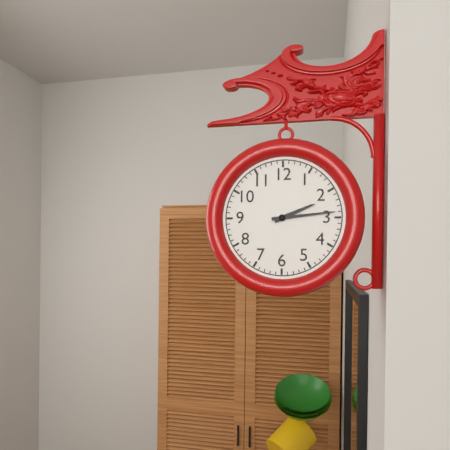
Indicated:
2.14
